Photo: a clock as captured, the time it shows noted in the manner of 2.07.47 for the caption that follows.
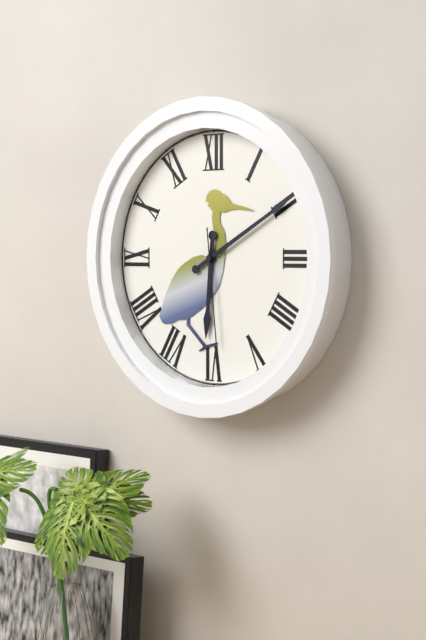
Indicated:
6.10.29
